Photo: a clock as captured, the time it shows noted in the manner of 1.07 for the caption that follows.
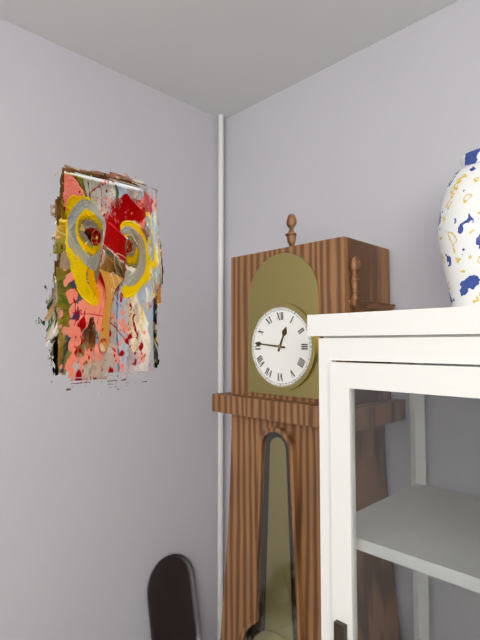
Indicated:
12.46
